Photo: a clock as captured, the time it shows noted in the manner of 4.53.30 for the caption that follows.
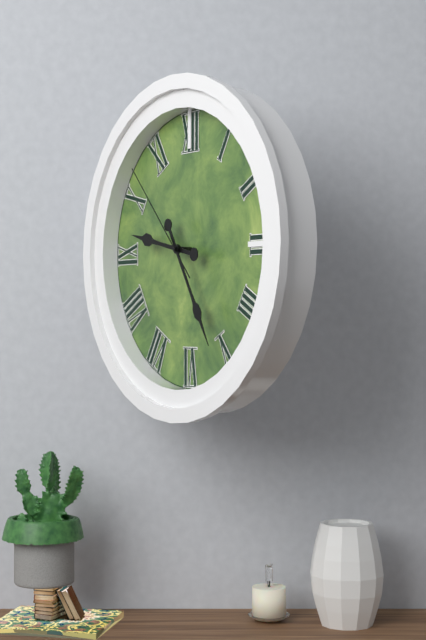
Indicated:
9.25.53
